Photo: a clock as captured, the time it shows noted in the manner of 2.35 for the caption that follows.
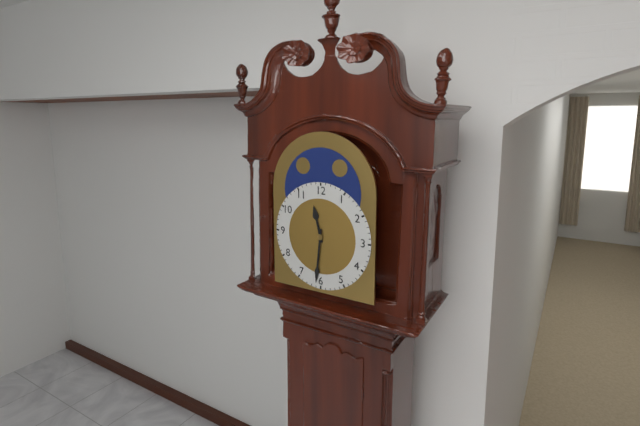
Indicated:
11.31
